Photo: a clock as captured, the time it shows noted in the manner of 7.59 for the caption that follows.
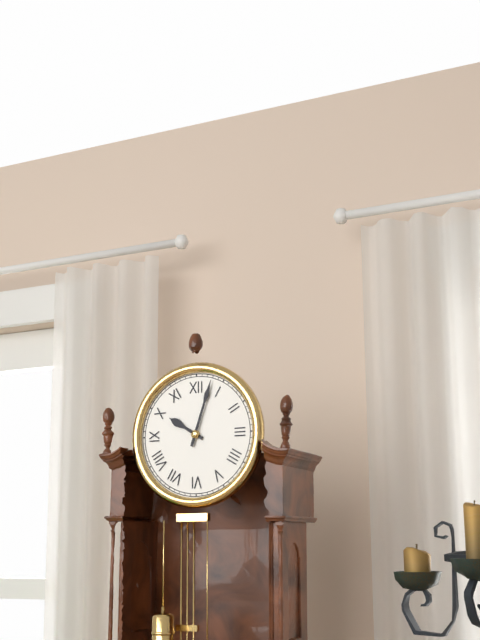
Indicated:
10.03
